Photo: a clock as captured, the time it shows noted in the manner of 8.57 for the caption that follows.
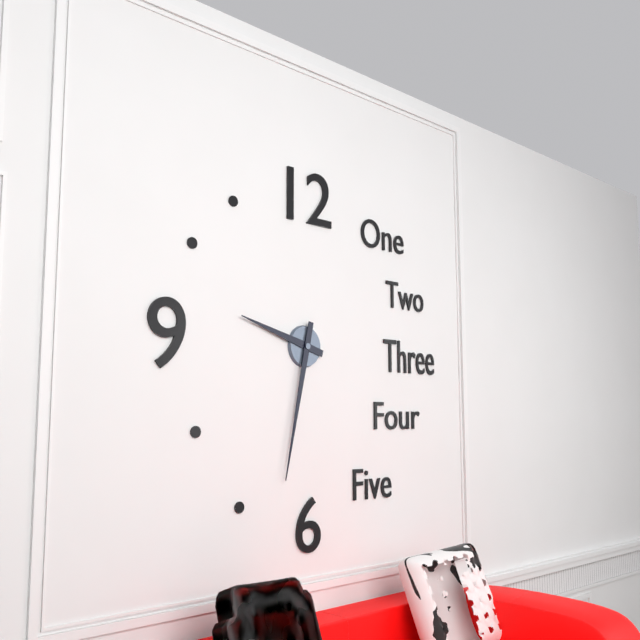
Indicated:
9.32
